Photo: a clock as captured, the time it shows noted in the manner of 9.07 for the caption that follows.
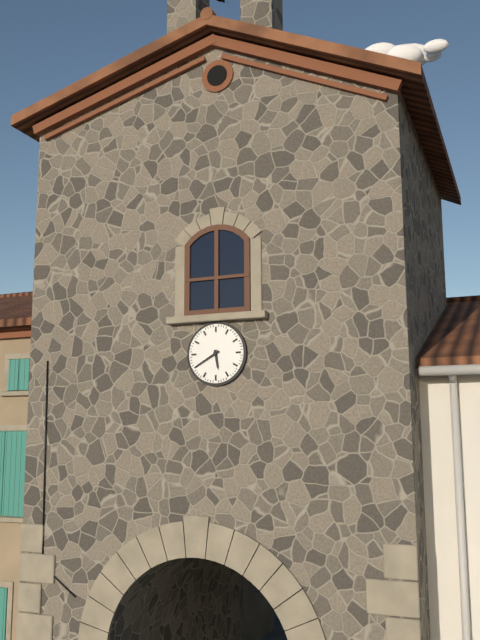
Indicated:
5.40
